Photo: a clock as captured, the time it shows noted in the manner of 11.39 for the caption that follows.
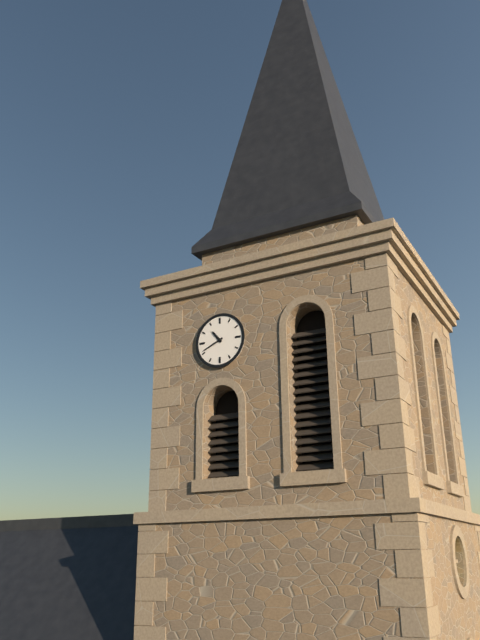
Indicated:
10.41
